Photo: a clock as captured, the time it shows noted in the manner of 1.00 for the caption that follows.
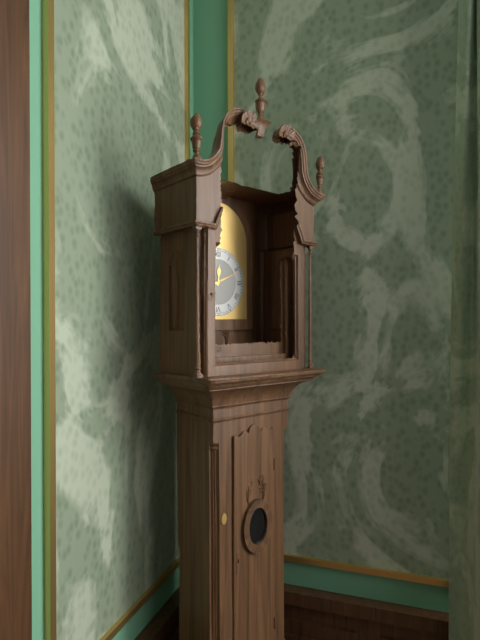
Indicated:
12.11
